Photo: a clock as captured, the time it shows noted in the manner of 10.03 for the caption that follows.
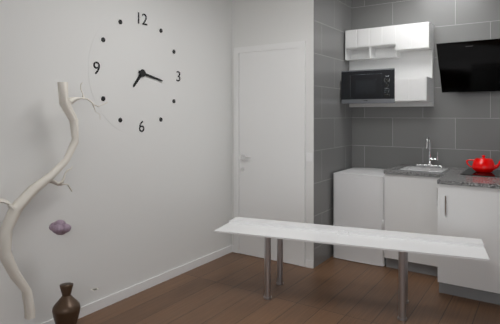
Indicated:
7.17
